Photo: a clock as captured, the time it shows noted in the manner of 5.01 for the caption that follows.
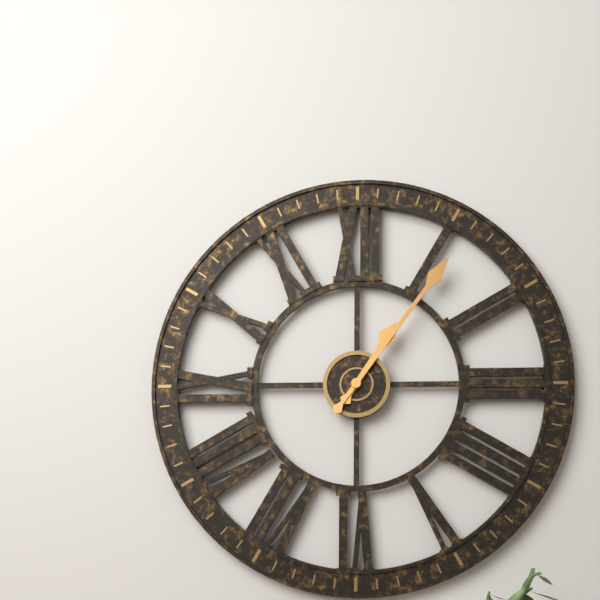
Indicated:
1.06
